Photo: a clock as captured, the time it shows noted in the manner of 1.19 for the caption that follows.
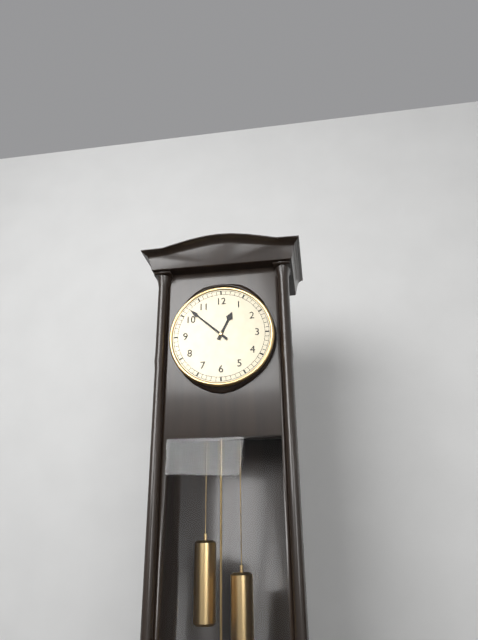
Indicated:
12.52
